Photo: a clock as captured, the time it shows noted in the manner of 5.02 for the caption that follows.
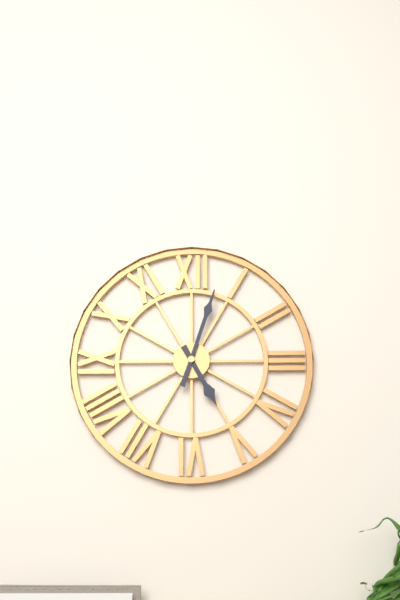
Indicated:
5.03
